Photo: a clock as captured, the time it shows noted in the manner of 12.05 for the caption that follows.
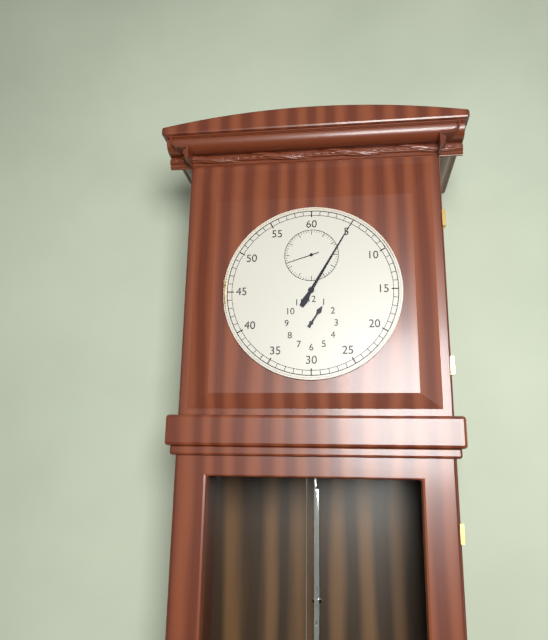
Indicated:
1.05
